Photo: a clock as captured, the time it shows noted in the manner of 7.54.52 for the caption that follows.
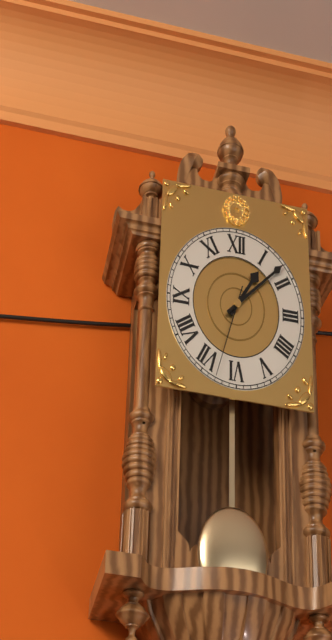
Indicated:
1.08.33
